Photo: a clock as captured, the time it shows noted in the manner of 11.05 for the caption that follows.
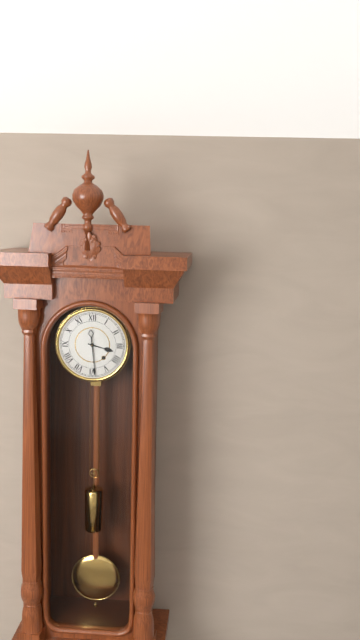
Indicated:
3.29
